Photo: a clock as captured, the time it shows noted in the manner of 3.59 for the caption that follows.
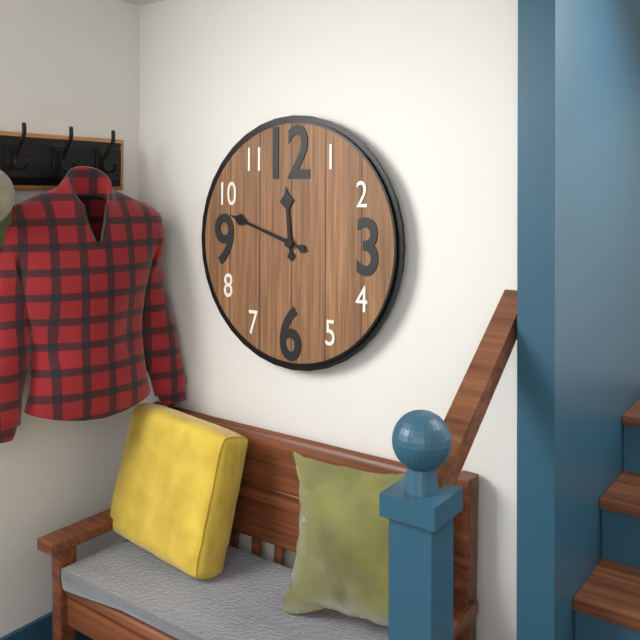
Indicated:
11.48
